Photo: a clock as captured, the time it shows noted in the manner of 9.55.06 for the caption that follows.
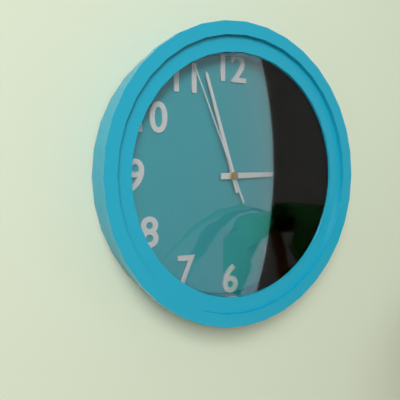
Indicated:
2.57.56
